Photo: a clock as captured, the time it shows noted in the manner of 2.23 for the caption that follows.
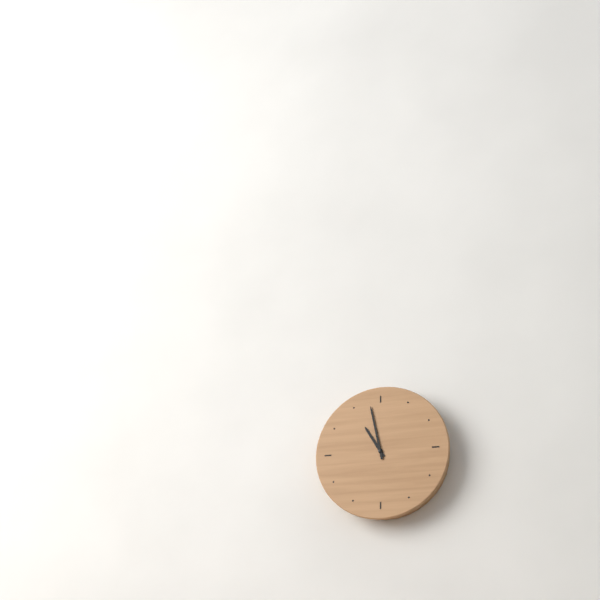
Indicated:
10.58
